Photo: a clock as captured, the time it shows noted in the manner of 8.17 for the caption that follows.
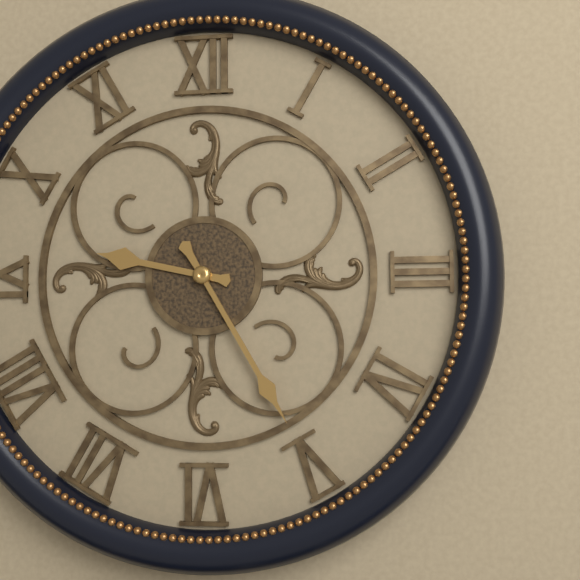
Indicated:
9.25
